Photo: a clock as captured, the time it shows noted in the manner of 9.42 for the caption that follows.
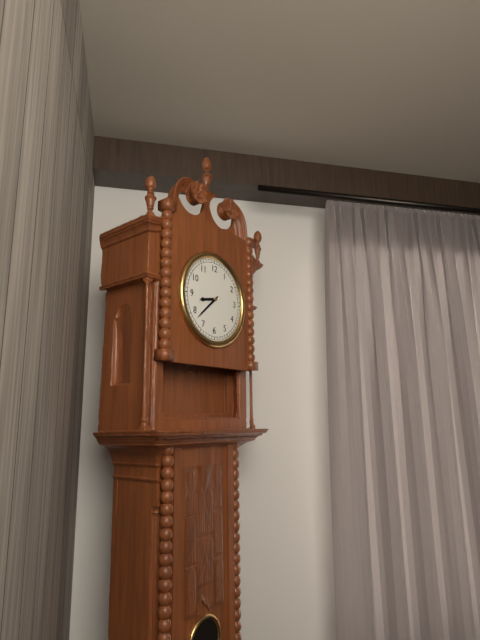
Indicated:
8.38
